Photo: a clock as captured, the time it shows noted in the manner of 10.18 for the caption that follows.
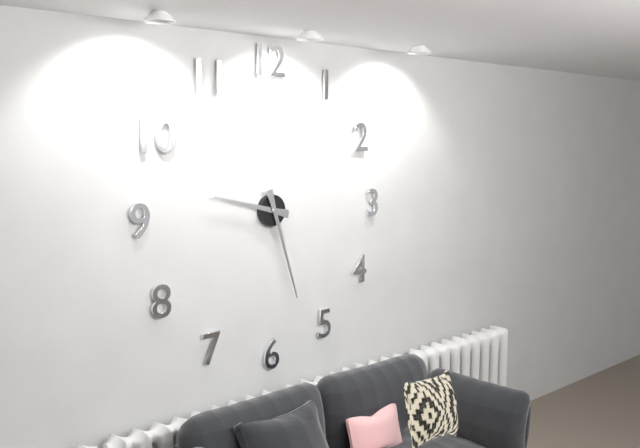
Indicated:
9.27
